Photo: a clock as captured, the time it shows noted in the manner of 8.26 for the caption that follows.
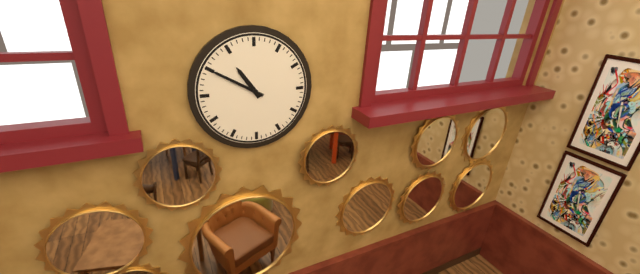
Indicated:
10.50
